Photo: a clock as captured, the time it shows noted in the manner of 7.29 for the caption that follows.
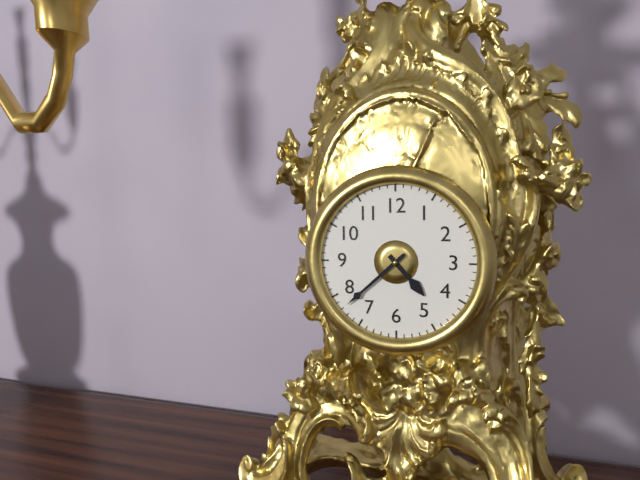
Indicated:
4.38
